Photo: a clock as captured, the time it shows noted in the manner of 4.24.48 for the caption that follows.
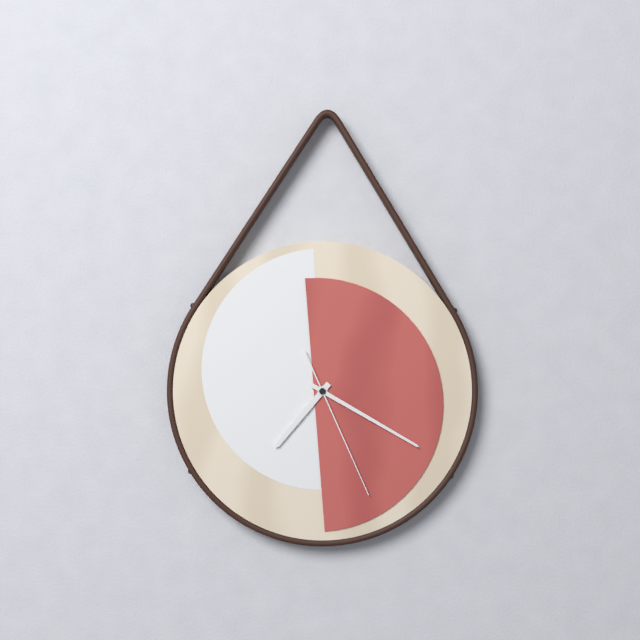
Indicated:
7.20.26
